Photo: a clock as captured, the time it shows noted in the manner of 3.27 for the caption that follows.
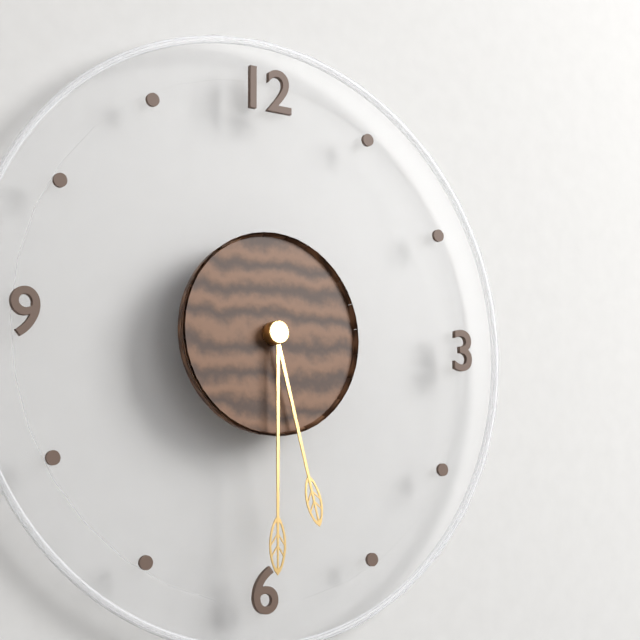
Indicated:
5.30
